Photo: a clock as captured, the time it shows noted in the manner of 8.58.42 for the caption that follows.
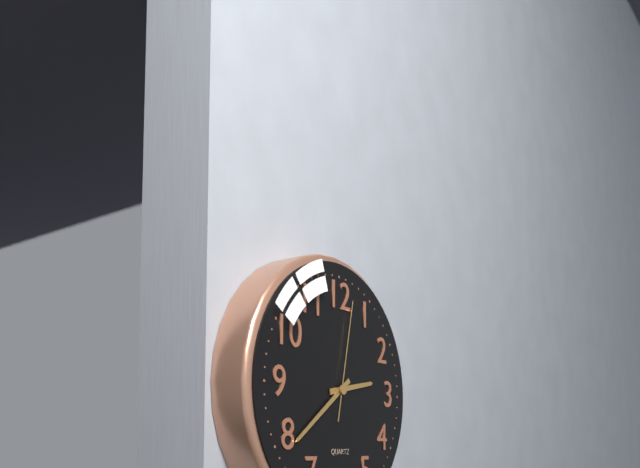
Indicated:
2.39.02
